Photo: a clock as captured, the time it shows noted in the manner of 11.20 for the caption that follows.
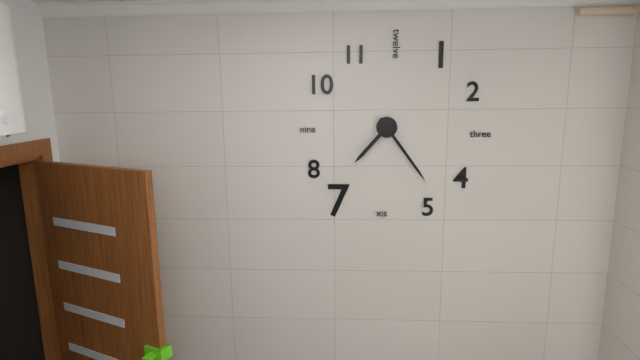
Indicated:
7.24
